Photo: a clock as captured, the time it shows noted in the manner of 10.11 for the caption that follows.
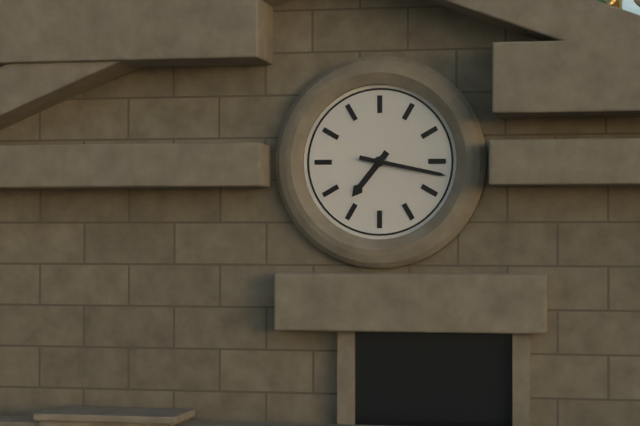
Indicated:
7.17
